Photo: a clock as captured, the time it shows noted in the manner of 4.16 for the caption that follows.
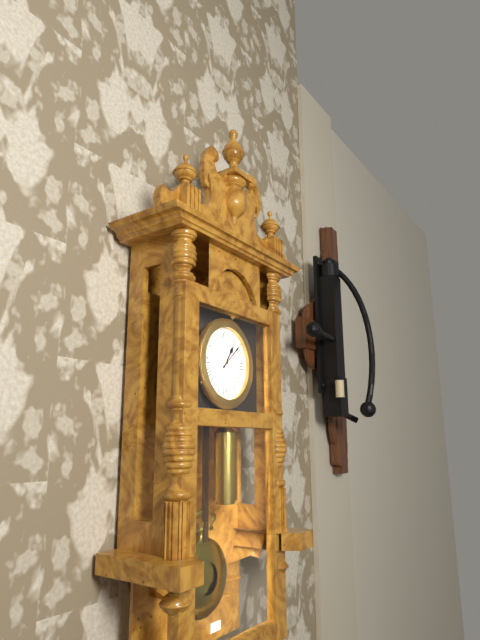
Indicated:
1.08
